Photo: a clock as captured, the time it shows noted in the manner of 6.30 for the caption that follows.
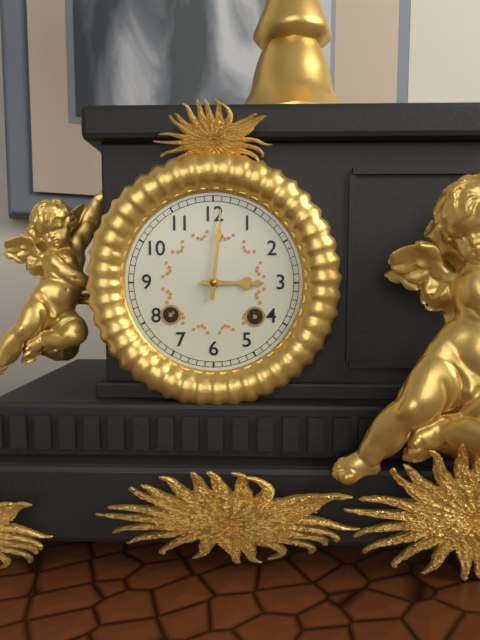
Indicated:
3.01
